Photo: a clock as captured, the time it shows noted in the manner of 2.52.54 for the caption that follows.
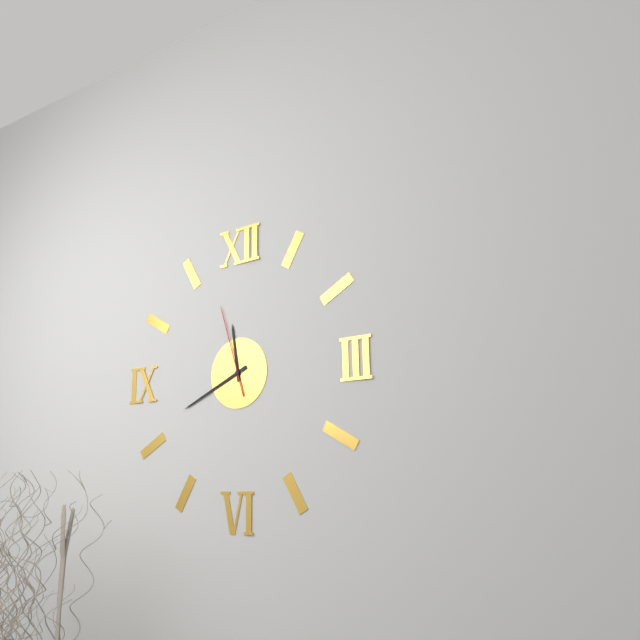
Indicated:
11.41.57
